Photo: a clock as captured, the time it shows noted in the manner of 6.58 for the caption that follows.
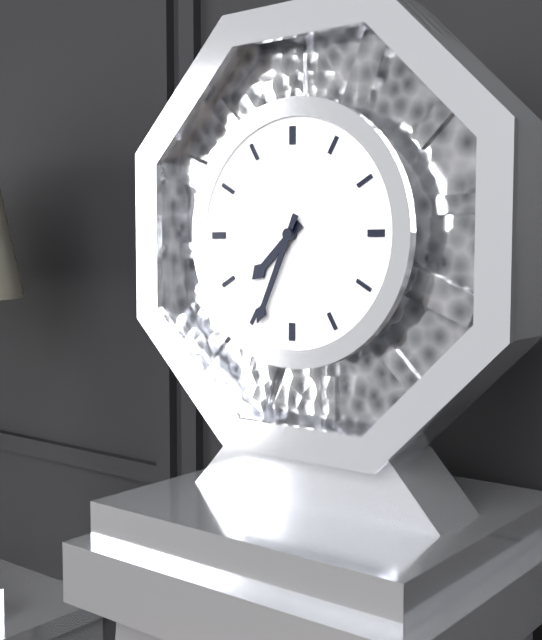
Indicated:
7.34
